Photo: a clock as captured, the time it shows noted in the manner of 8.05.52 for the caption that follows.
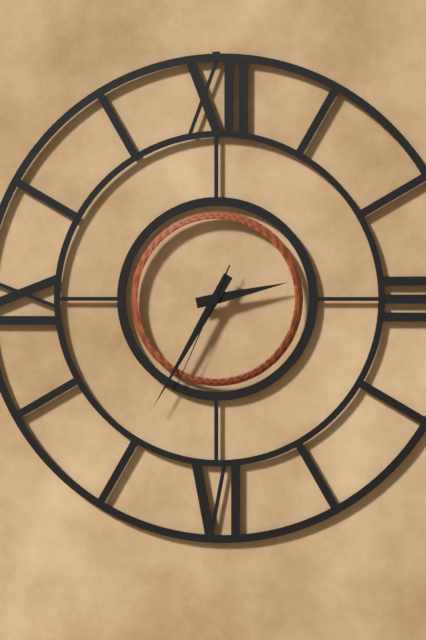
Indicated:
2.35.34
